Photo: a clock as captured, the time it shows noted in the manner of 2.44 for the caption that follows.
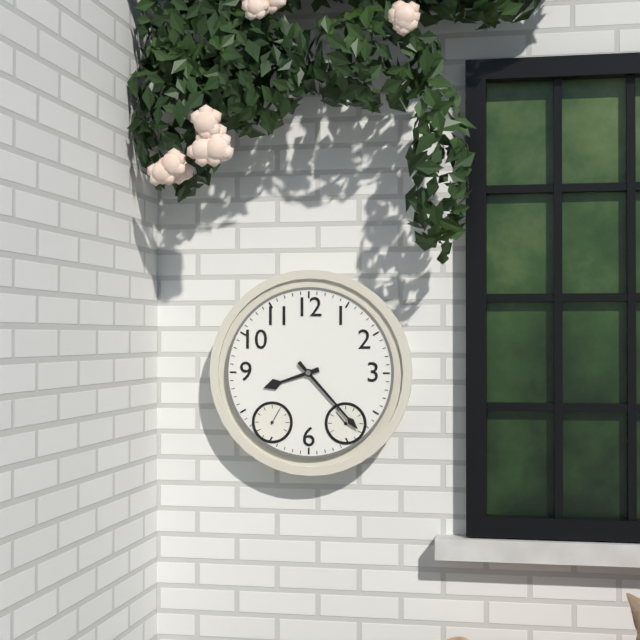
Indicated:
8.23
